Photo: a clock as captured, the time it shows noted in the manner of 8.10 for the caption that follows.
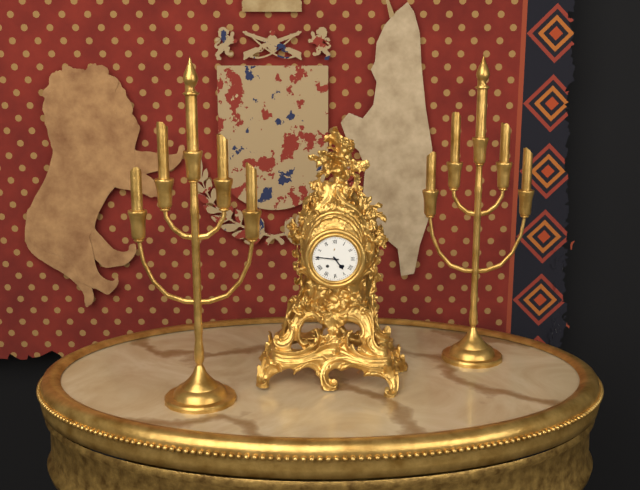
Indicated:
4.46
